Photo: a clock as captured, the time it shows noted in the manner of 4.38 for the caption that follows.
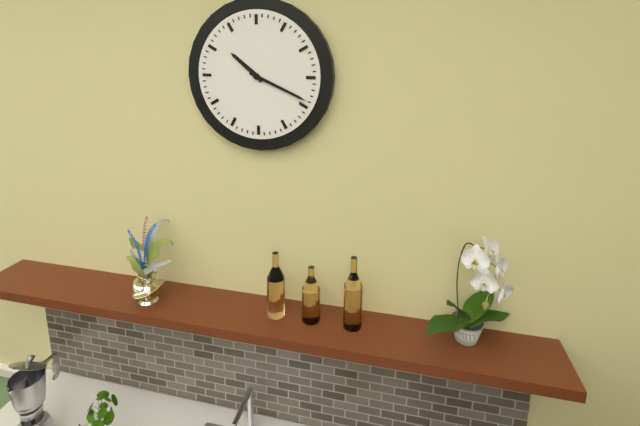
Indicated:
10.19
